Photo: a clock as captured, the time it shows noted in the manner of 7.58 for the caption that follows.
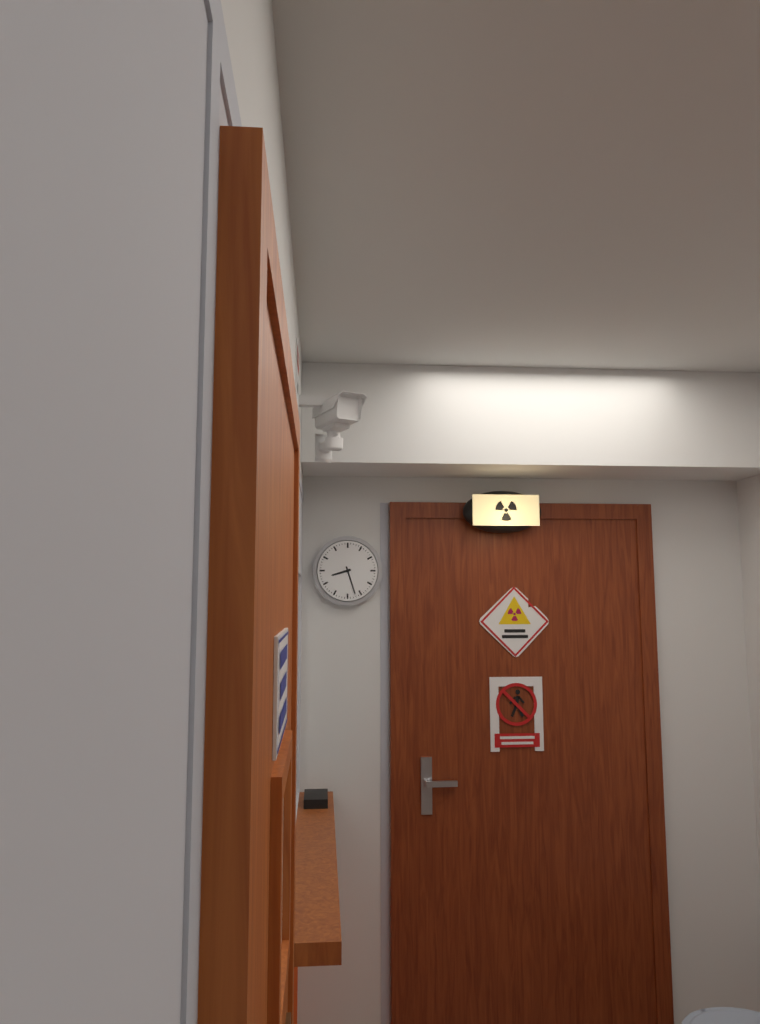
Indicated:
8.27
